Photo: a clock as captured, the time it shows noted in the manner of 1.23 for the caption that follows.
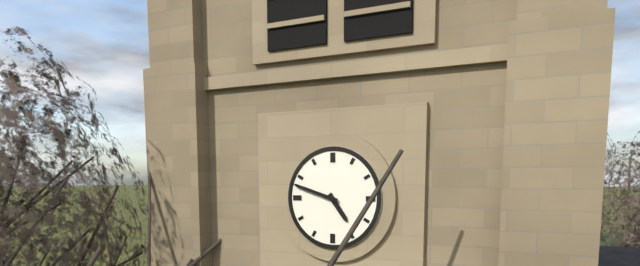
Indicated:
4.48
